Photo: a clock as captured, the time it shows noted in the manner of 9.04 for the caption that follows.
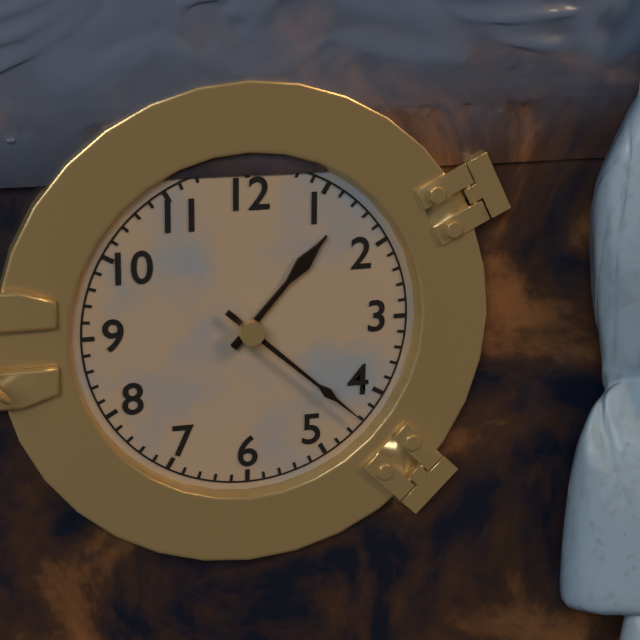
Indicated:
1.22
